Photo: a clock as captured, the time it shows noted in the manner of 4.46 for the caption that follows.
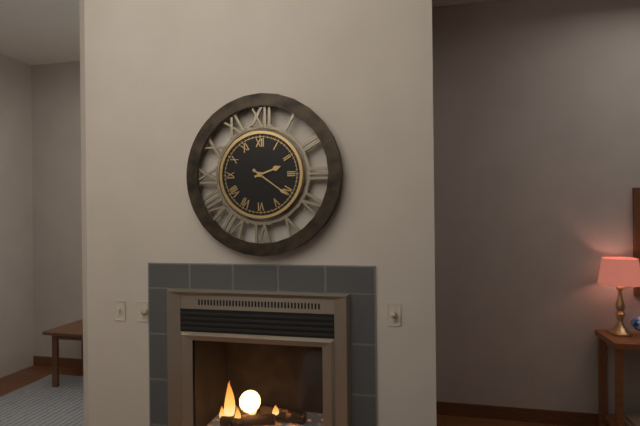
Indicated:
2.21
